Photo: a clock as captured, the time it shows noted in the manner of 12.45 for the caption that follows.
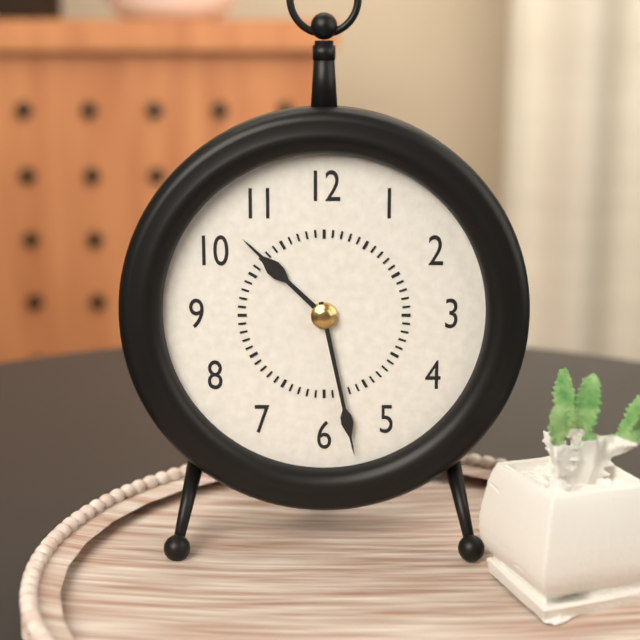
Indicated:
10.28
